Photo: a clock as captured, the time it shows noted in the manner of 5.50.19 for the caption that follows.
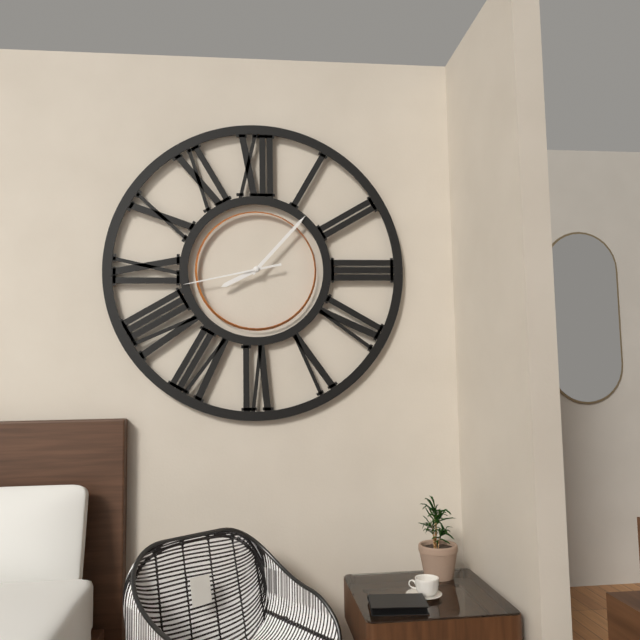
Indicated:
8.07.43
